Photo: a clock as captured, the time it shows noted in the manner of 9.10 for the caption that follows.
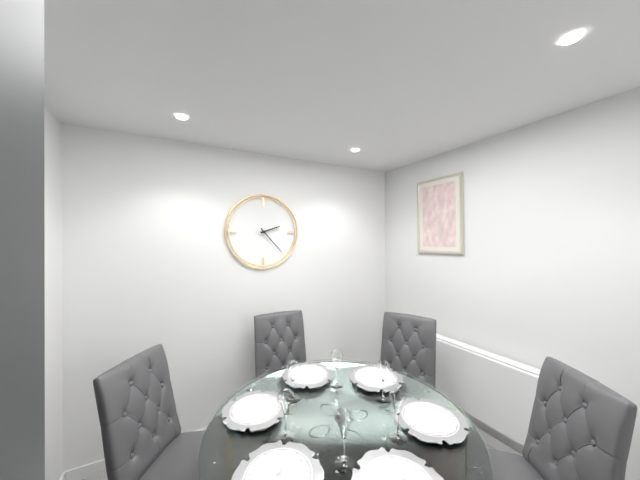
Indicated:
2.23
